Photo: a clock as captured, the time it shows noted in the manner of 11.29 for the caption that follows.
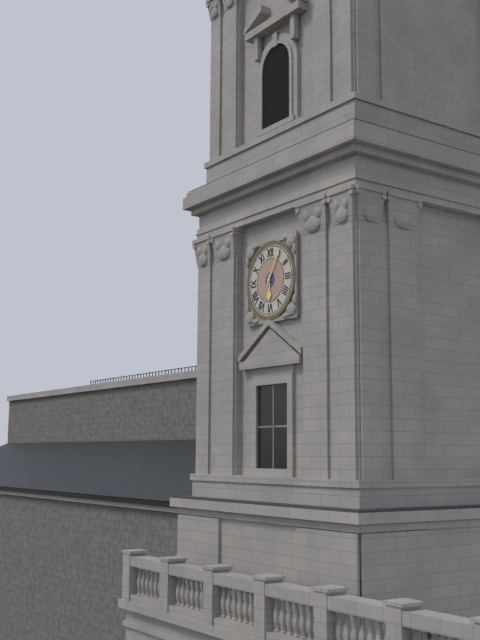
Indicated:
6.05
